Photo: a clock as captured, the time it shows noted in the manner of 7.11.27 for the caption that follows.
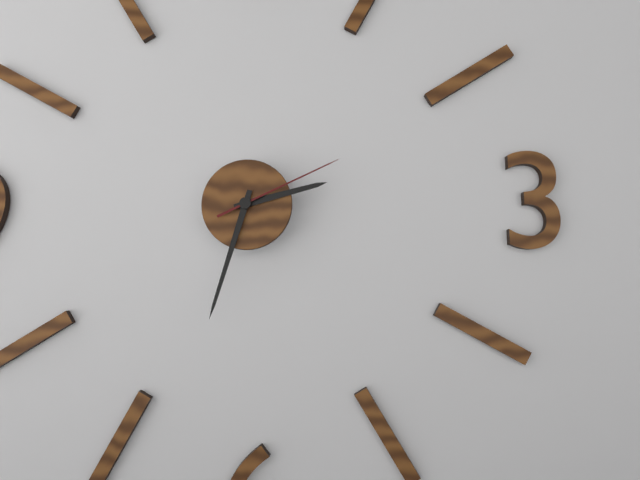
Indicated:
2.33.11
